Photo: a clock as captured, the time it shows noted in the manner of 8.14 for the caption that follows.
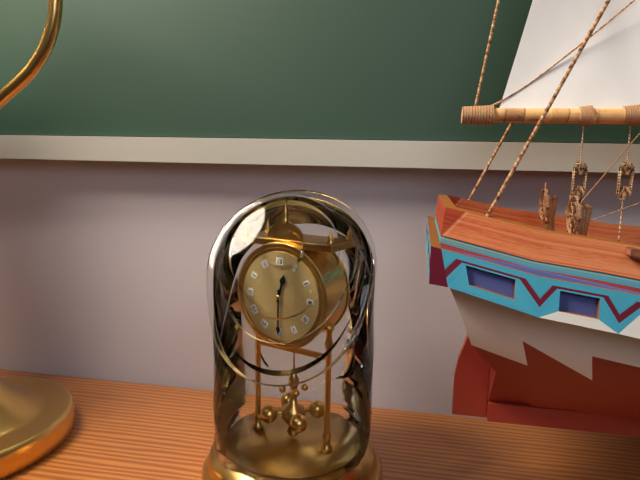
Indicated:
12.30
